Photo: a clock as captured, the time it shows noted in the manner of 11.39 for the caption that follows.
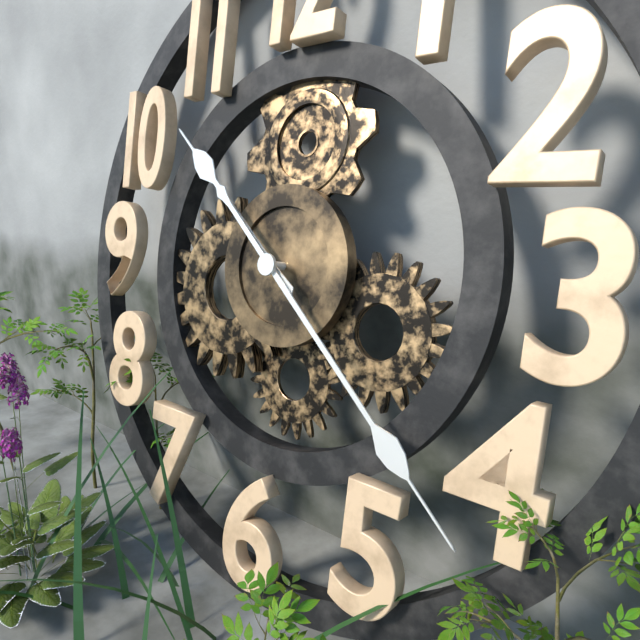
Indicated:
10.22
